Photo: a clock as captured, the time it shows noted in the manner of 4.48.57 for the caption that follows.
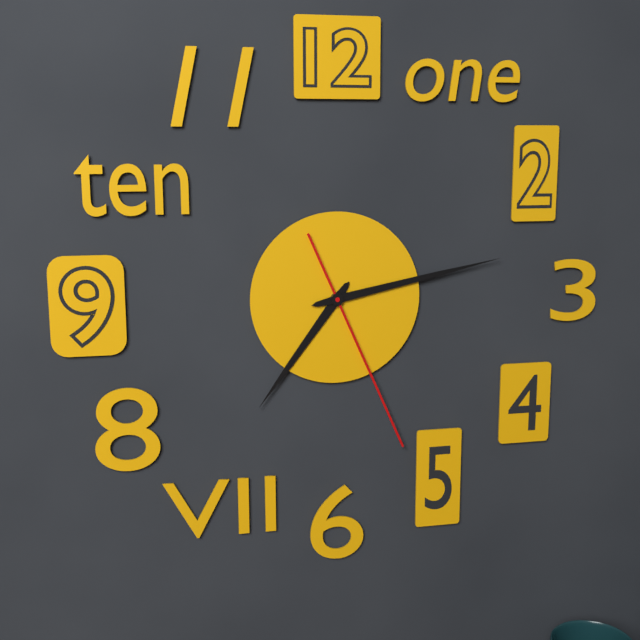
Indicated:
7.13.26
